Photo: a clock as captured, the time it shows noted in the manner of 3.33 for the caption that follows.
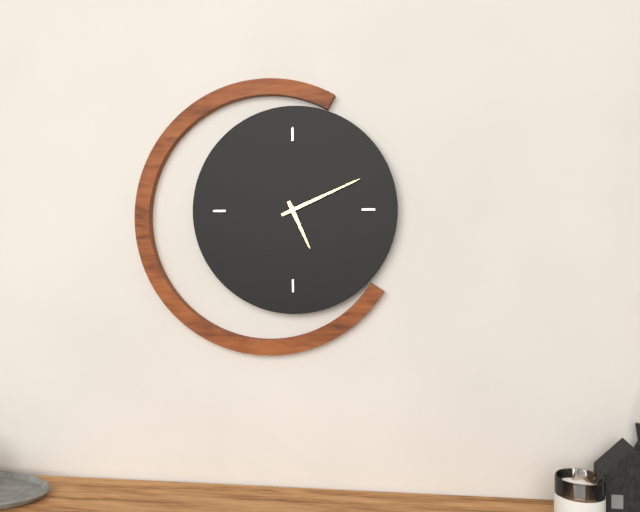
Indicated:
5.11
